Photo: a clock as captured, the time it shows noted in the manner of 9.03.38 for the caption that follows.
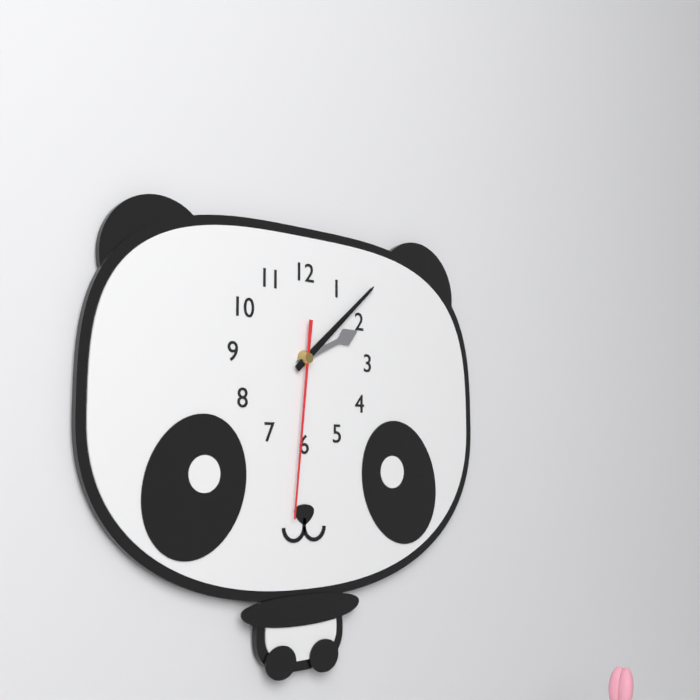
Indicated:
2.08.31
